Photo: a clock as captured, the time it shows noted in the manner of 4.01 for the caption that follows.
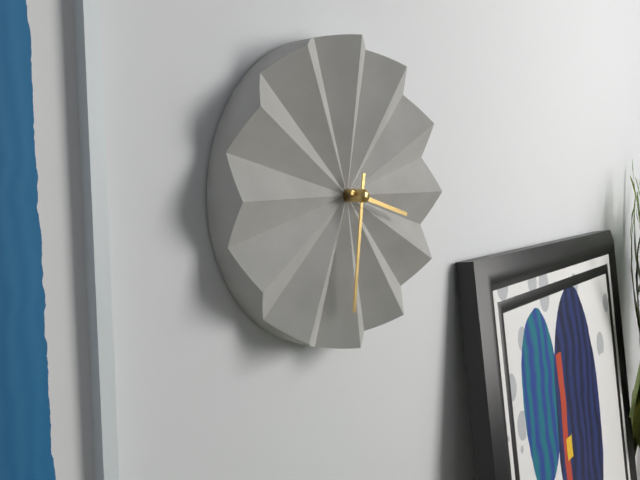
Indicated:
3.31
